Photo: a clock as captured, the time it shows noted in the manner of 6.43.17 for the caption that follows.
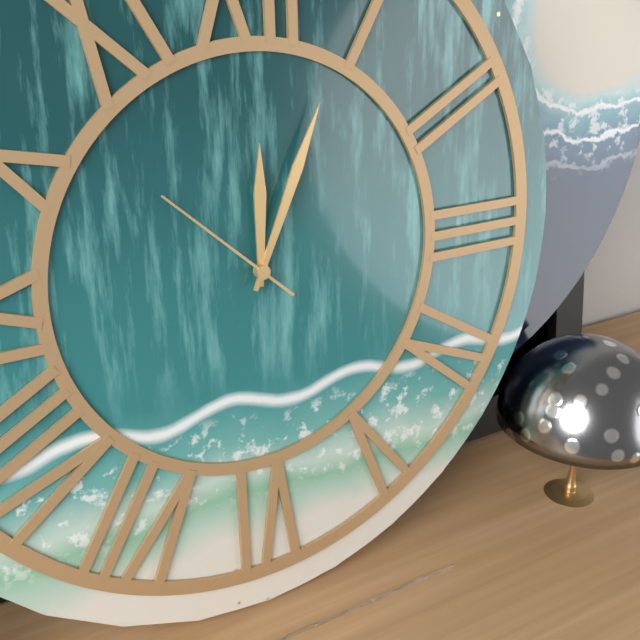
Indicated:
12.04.52
